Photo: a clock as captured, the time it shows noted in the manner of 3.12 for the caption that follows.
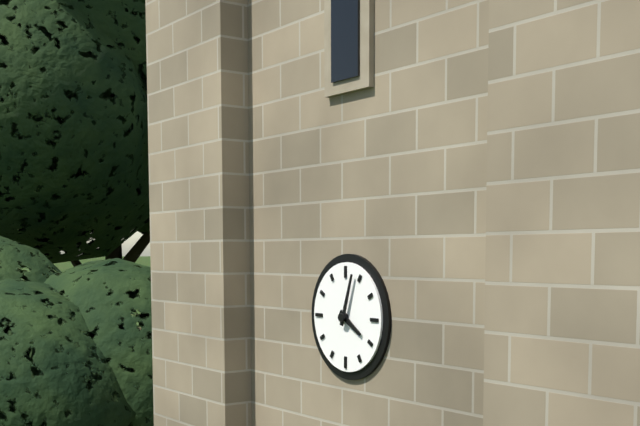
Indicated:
4.03
